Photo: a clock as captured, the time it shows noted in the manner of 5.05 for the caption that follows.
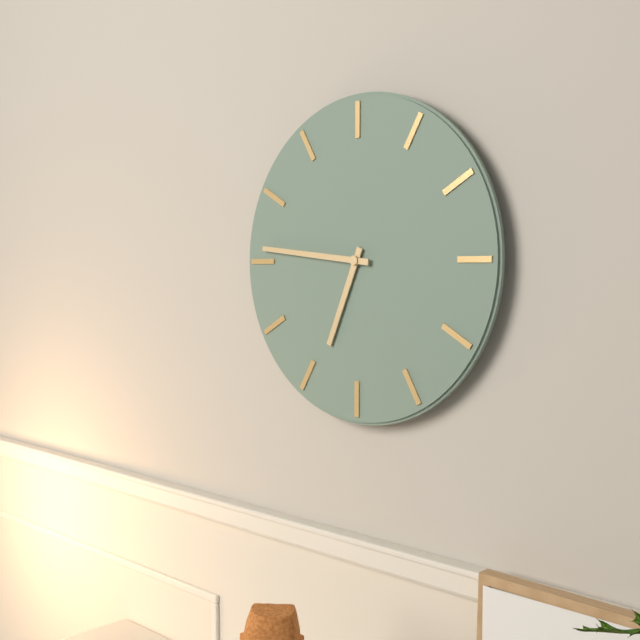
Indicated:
6.46
